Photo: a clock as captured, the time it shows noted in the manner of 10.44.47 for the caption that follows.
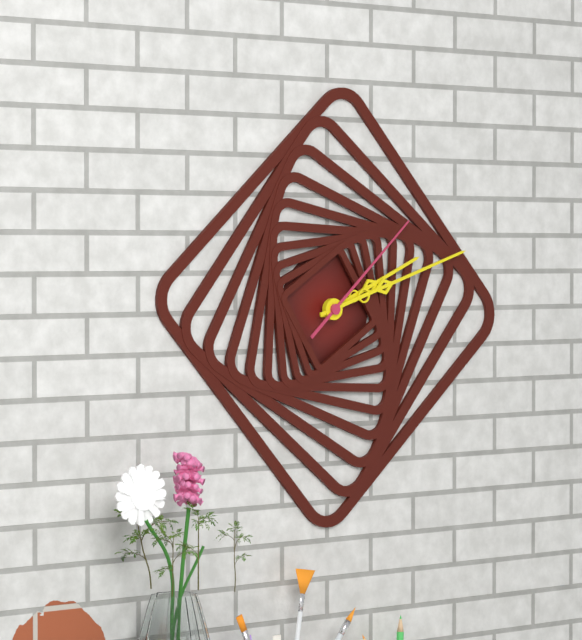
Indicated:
2.12.08
